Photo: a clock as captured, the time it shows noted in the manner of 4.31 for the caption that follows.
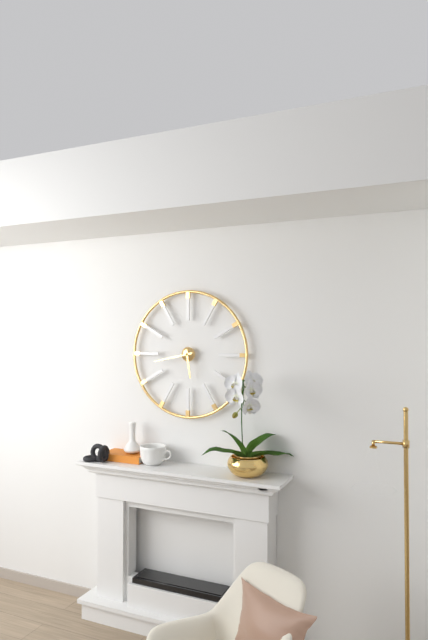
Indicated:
5.43
